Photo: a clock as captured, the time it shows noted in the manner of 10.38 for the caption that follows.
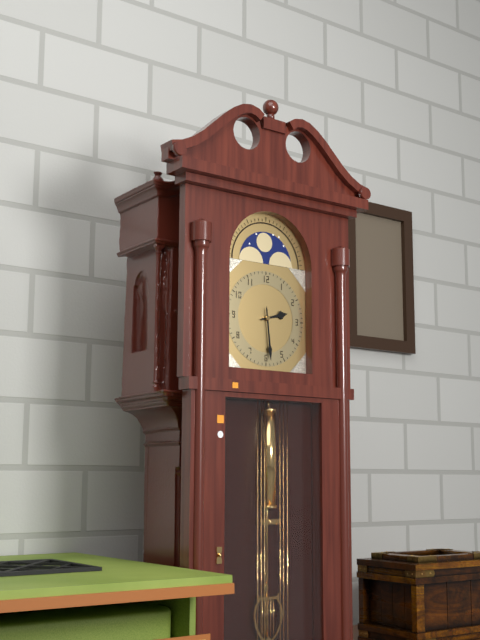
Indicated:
2.29
